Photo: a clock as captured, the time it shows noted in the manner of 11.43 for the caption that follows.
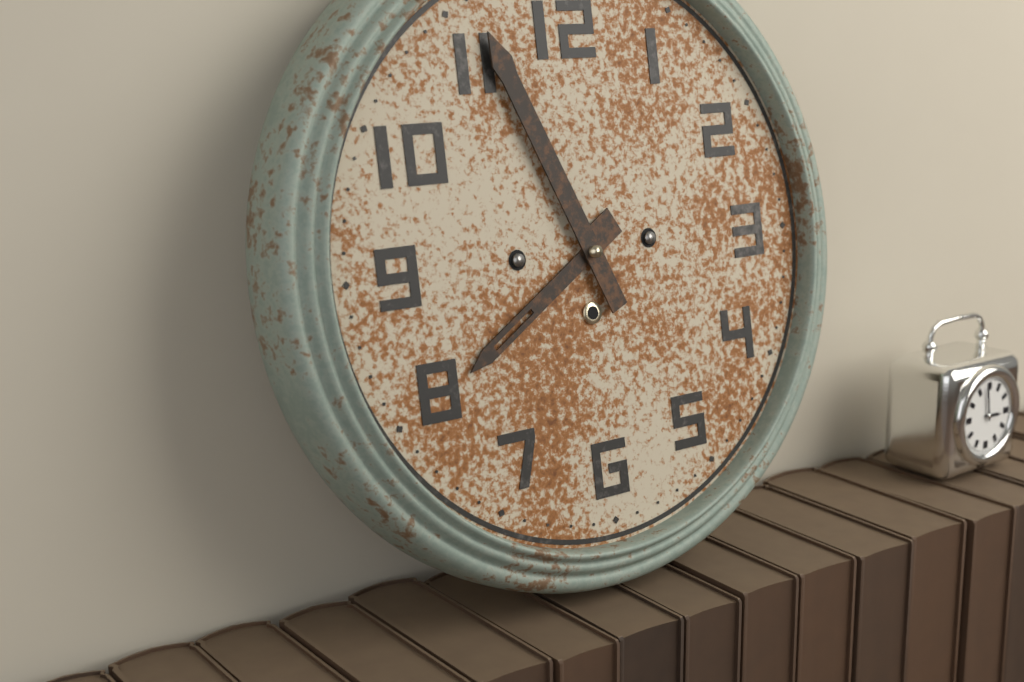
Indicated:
7.56
